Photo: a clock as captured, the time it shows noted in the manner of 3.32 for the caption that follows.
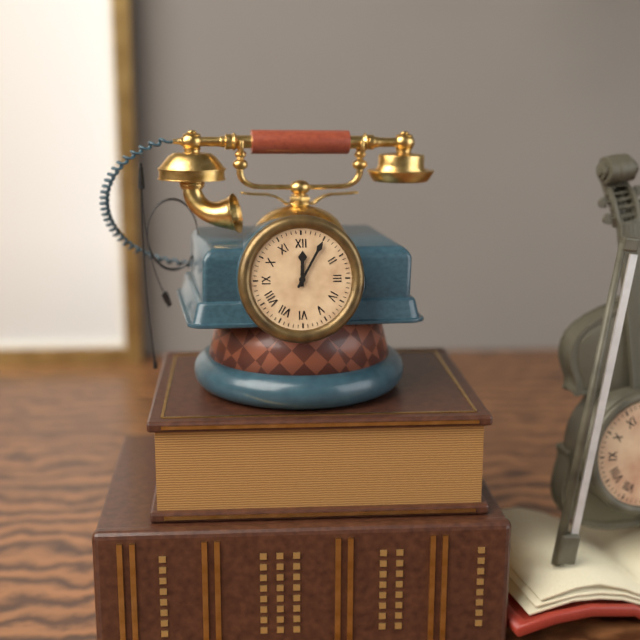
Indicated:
12.05
